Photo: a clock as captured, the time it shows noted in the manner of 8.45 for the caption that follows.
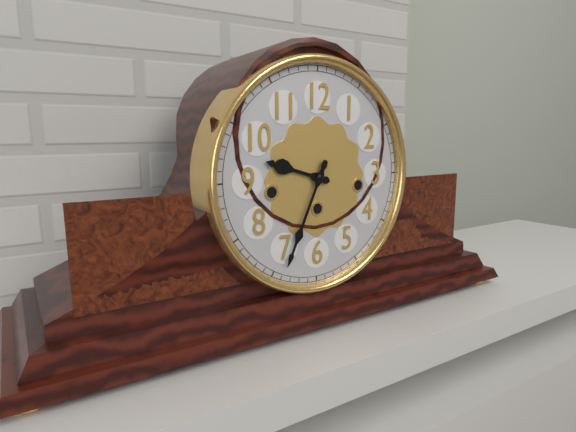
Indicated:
9.34
